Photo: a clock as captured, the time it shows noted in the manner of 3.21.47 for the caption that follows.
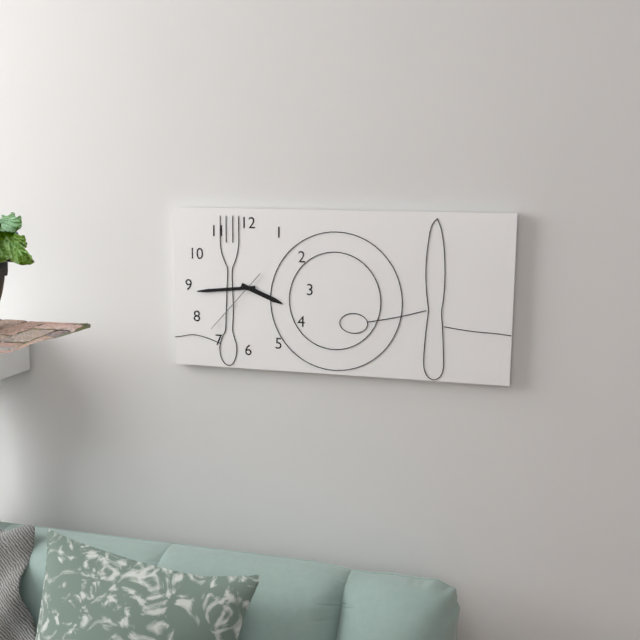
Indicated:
3.44.37
